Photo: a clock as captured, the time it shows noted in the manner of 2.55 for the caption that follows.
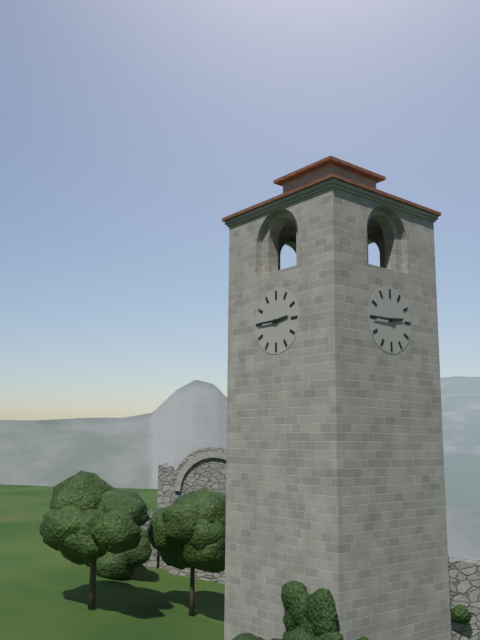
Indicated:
2.45
